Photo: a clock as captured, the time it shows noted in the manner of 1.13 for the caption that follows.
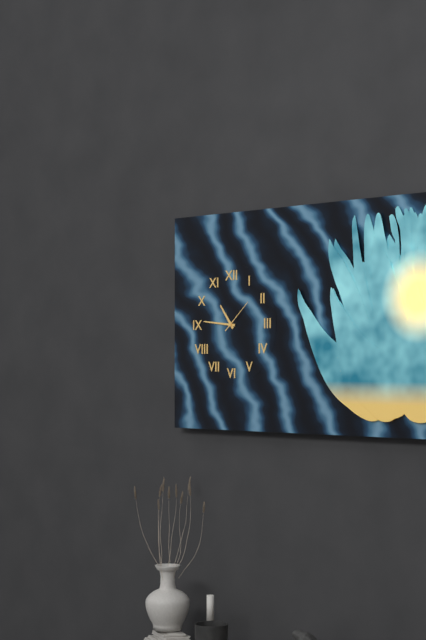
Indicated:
10.46
